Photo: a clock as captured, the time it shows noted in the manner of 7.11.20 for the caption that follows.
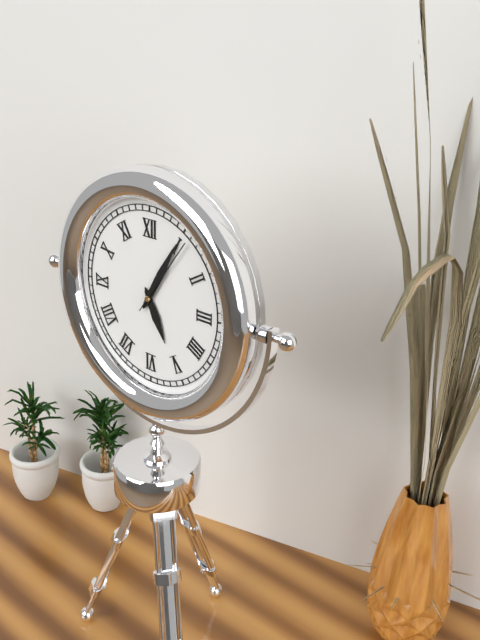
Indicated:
5.05.06
